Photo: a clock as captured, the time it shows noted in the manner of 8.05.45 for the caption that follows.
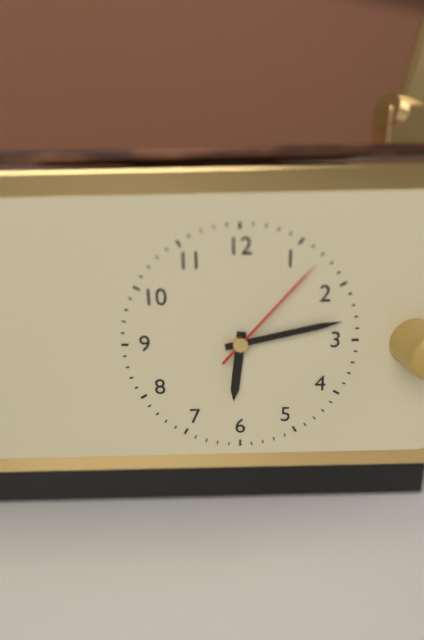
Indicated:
6.13.07
